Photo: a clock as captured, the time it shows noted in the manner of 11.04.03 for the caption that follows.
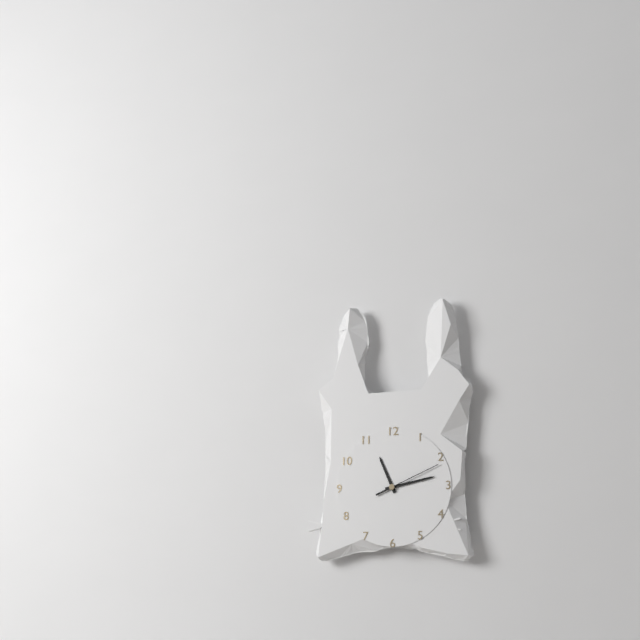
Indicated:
11.13.11
